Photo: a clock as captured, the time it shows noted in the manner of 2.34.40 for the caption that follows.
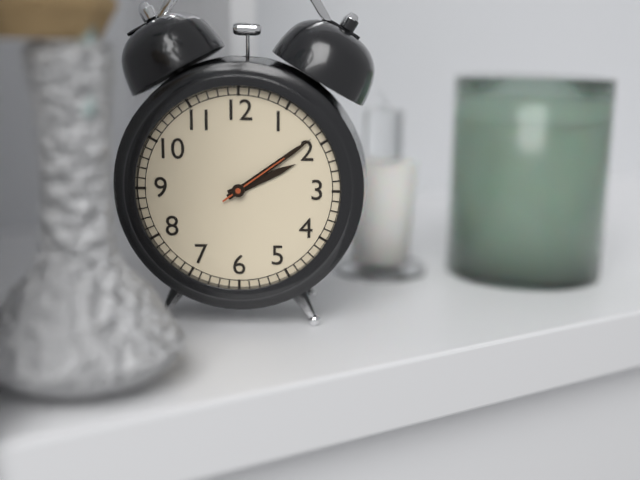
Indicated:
2.09.09
